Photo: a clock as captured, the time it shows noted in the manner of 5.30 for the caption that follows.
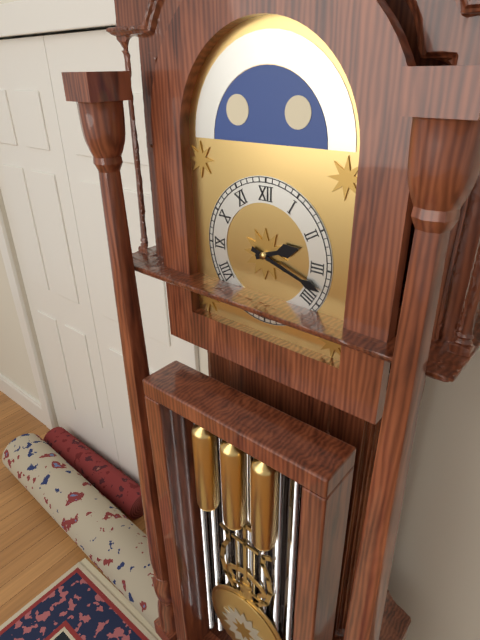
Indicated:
2.18
